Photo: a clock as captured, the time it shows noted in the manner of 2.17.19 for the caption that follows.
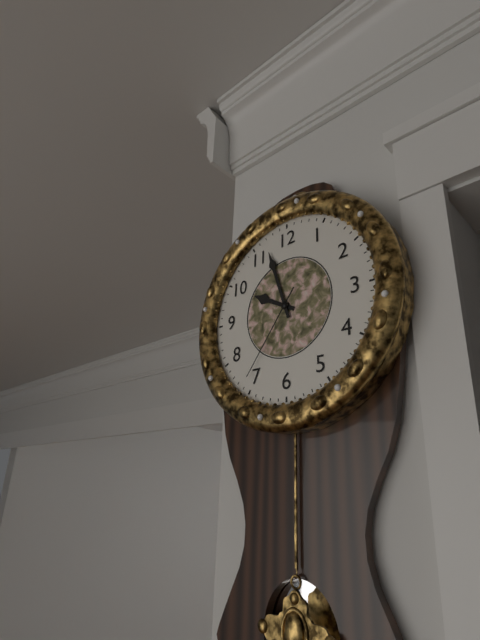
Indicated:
9.57.36
